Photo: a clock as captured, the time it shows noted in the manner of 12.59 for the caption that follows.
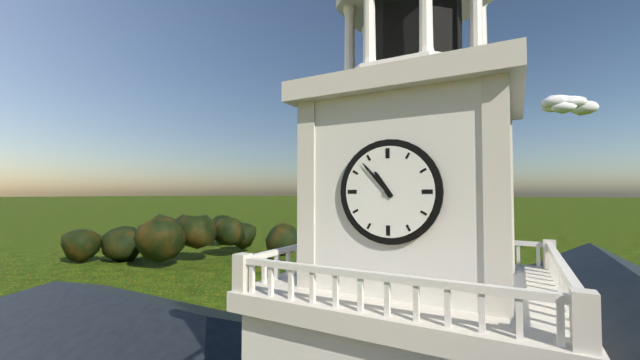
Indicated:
10.53
